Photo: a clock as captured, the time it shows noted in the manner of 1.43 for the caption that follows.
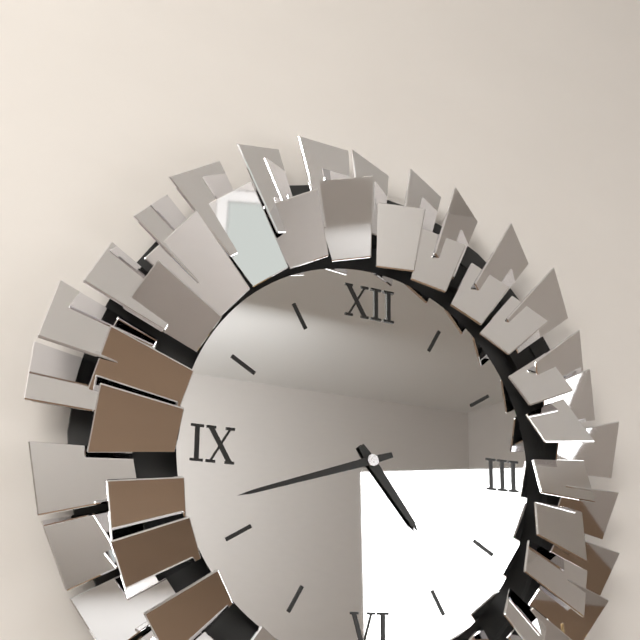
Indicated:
4.42
